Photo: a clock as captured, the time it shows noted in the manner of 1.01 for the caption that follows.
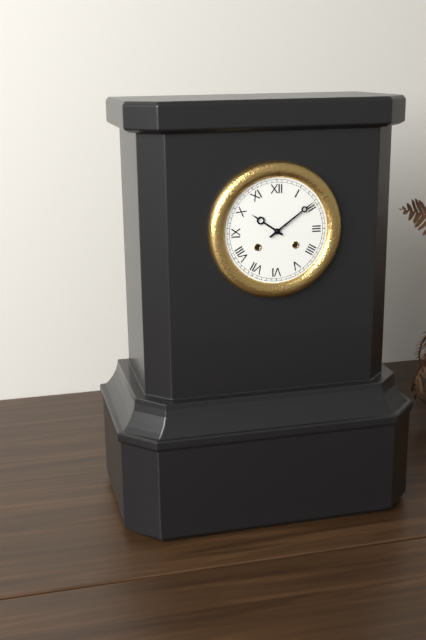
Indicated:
10.09
